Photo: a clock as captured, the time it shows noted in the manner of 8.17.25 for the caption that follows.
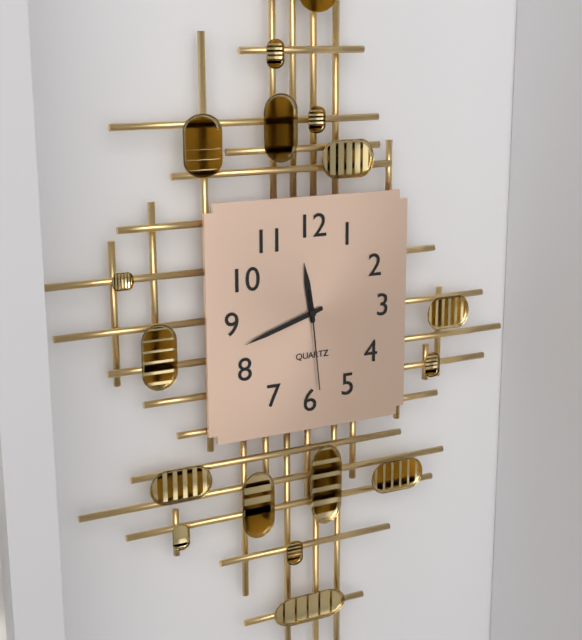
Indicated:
11.42.29
